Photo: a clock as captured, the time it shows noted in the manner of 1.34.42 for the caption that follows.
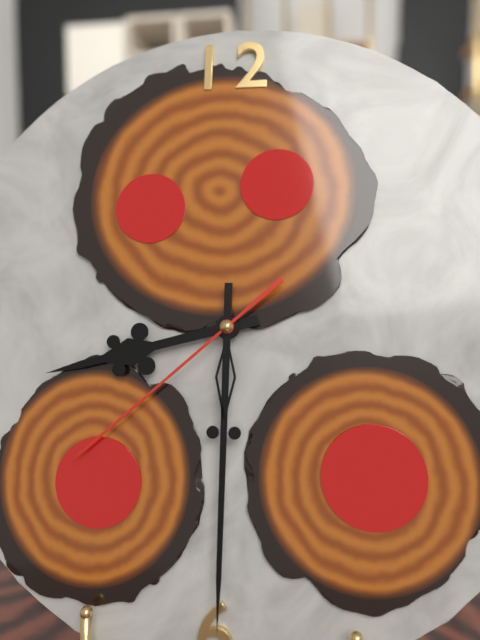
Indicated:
8.30.38
